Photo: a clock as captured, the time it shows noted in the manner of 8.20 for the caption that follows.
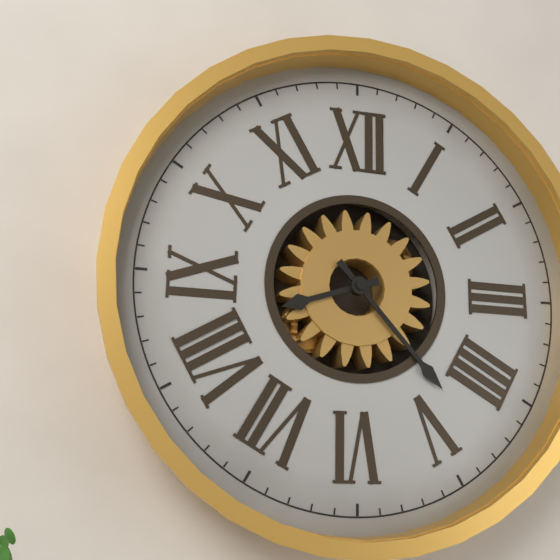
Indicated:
8.23
